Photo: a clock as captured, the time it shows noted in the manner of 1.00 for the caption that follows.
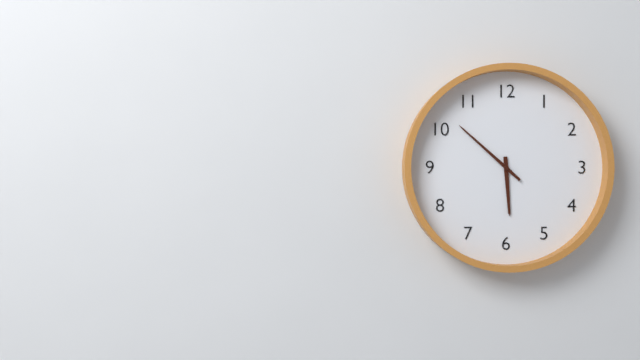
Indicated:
5.52
